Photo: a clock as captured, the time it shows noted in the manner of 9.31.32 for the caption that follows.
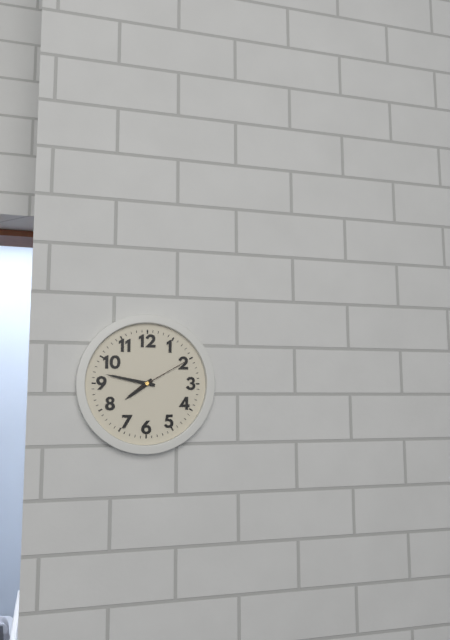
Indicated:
7.47.10
